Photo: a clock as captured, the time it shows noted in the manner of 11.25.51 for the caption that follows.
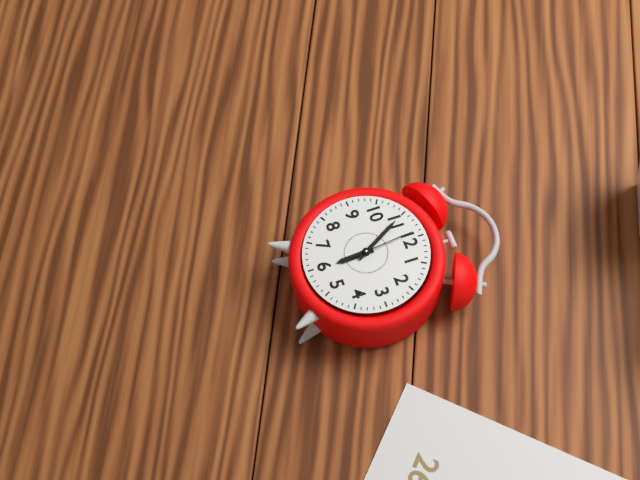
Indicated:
5.55.59
